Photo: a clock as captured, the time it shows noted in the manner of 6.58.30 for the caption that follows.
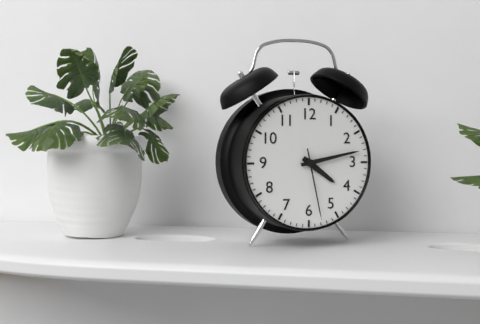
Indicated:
4.13.28
